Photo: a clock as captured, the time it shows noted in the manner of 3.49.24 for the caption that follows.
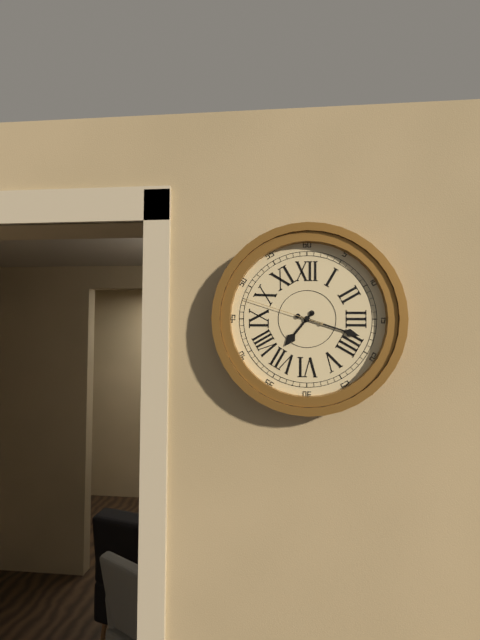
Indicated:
7.18.48
